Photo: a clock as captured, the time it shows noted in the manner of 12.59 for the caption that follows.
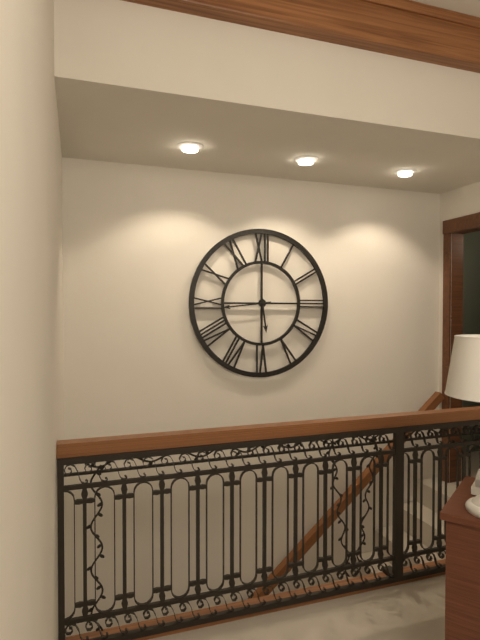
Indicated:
5.44
